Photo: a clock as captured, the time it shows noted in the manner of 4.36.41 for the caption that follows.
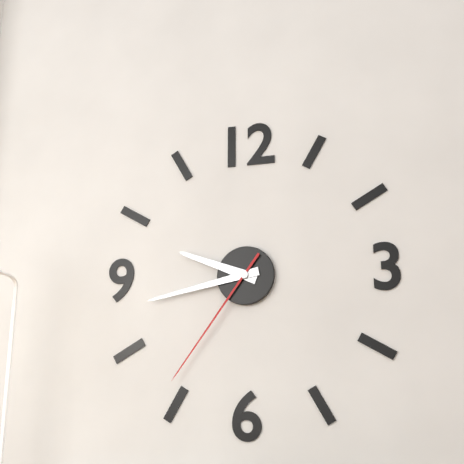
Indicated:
9.43.36
